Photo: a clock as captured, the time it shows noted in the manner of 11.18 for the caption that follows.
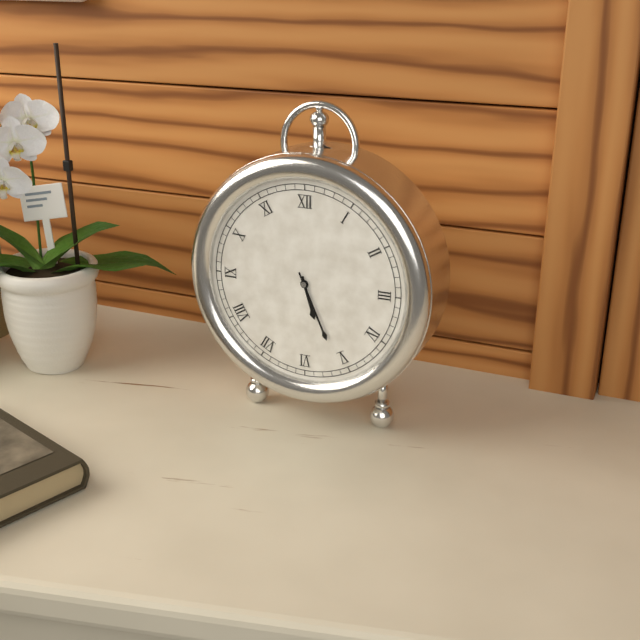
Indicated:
5.26
